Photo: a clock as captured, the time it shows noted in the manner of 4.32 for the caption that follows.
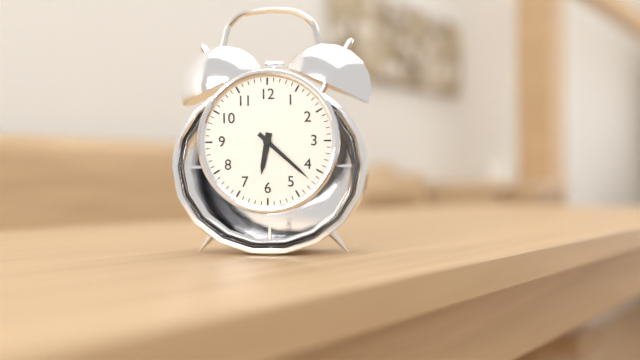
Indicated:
6.22
